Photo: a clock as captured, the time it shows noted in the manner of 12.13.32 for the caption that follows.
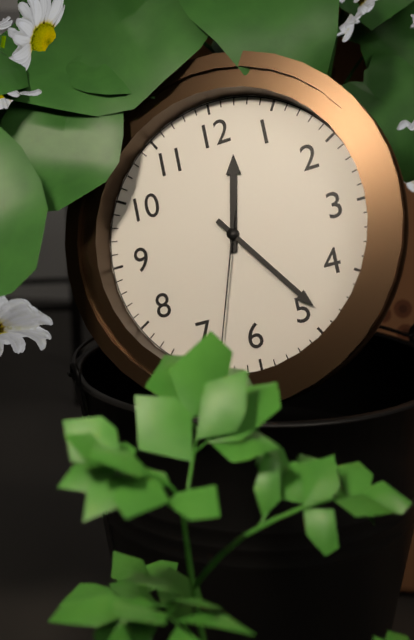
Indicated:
12.24.33
